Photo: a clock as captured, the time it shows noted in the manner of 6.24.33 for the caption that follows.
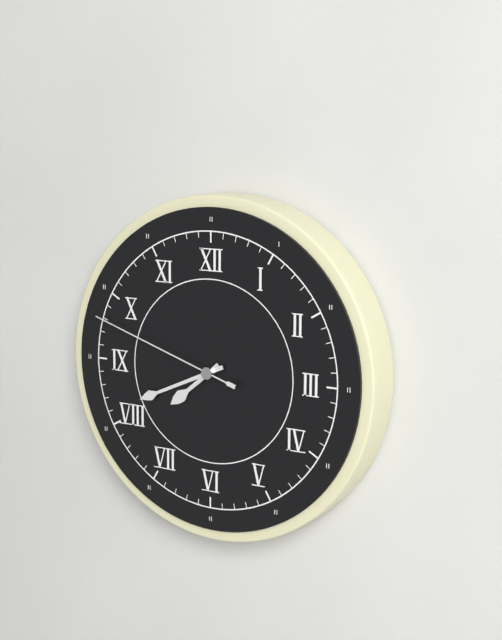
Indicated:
7.41.48
